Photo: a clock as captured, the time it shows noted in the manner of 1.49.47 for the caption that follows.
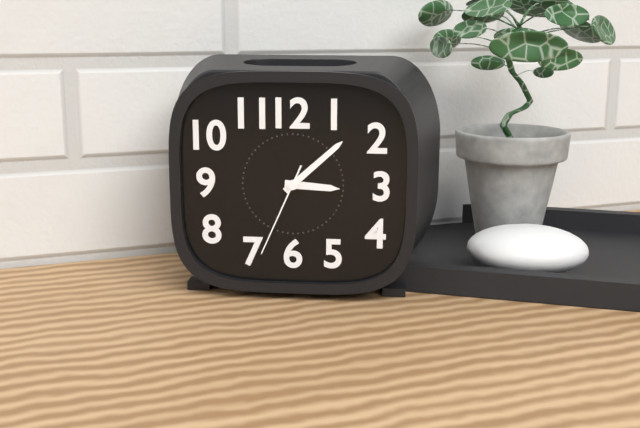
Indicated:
3.08.34
